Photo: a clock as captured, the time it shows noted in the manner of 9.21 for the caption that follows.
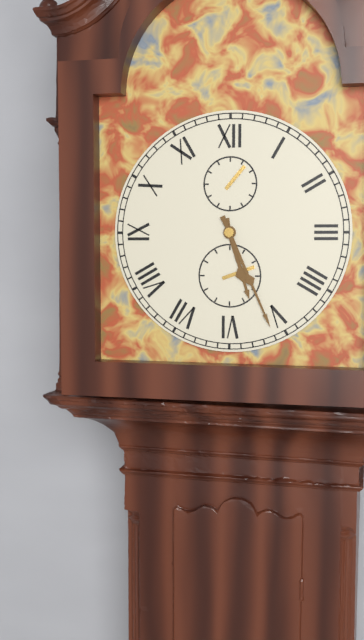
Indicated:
5.26
